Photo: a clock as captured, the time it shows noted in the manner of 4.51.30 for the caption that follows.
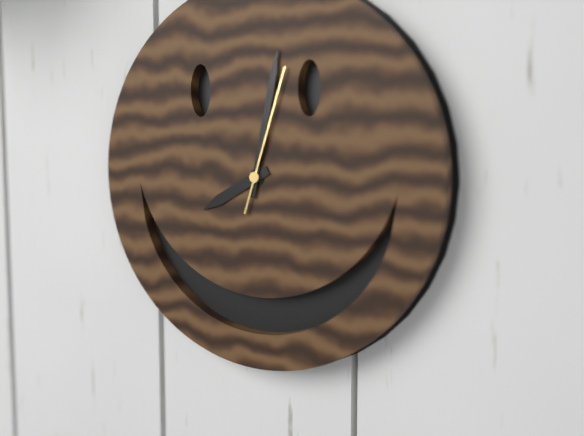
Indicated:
8.02.03
